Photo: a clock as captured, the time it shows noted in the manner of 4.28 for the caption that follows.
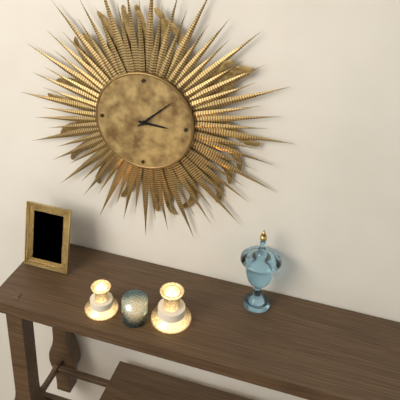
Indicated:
3.08
